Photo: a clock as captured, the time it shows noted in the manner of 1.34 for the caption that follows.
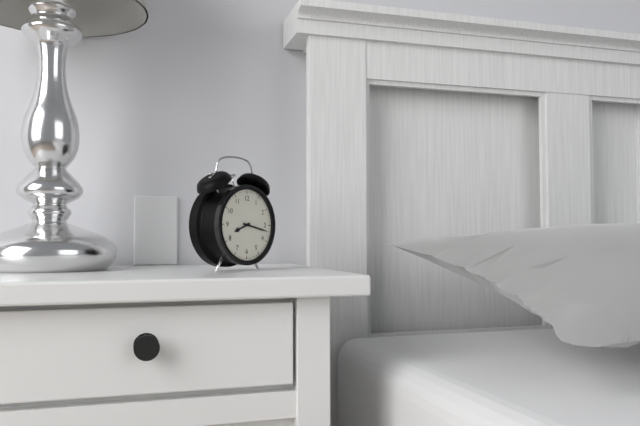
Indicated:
8.17
